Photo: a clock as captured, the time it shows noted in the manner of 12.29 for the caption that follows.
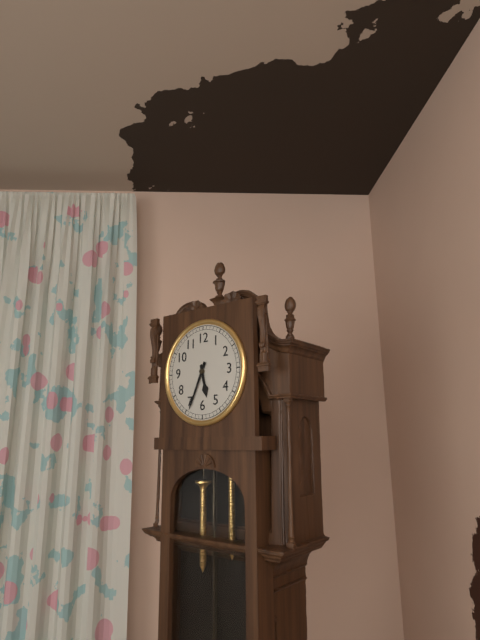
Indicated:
5.34
